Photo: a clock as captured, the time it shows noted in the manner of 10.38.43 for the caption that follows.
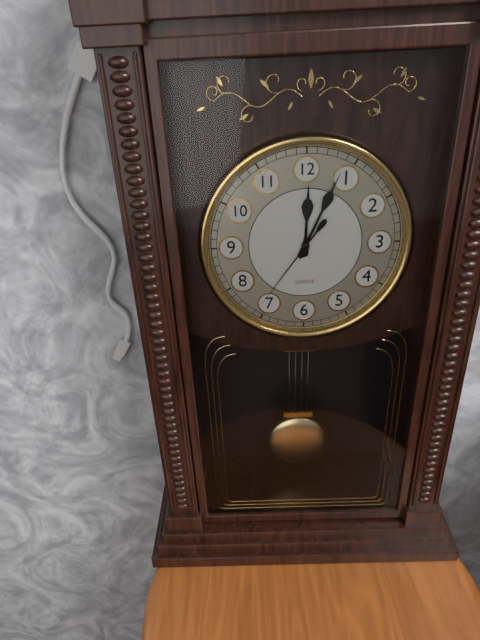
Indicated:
12.04.36
